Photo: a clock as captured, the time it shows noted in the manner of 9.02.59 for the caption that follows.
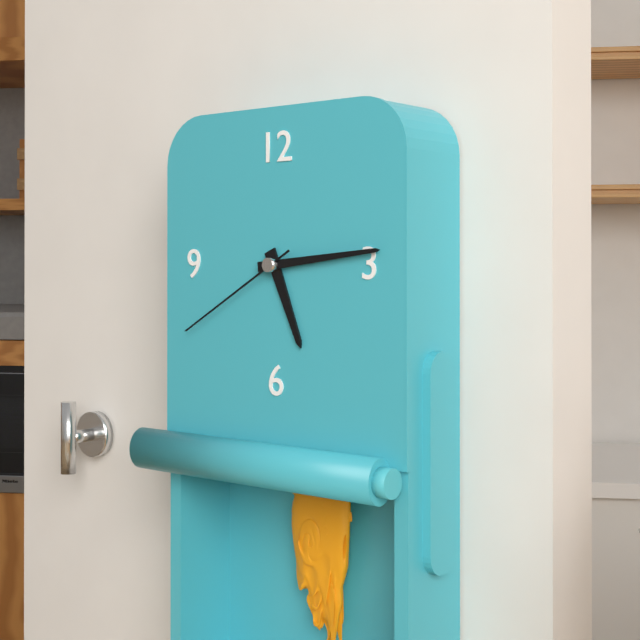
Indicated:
5.14.40
